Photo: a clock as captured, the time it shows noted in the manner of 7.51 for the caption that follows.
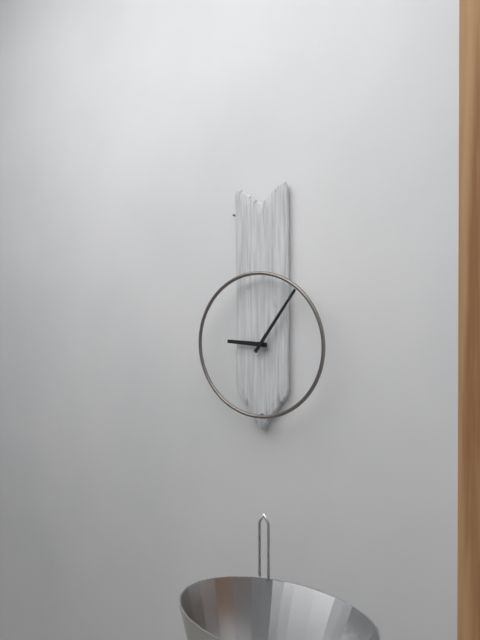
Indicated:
9.06
